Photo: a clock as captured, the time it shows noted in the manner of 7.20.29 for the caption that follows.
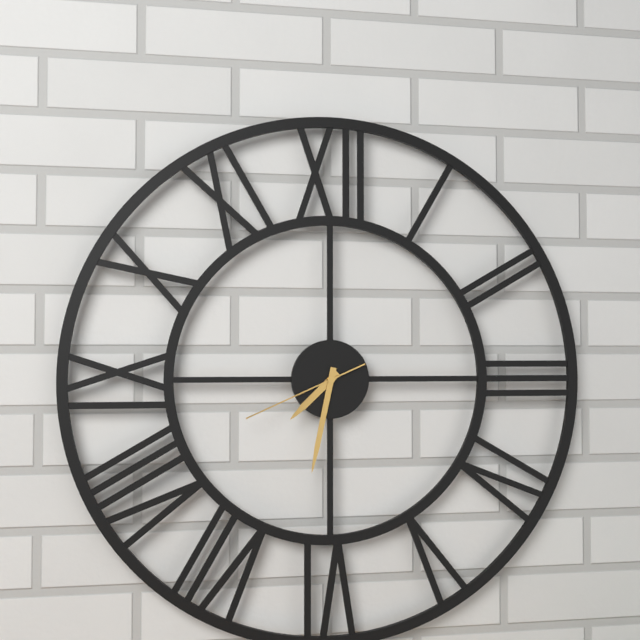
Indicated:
7.32.41
